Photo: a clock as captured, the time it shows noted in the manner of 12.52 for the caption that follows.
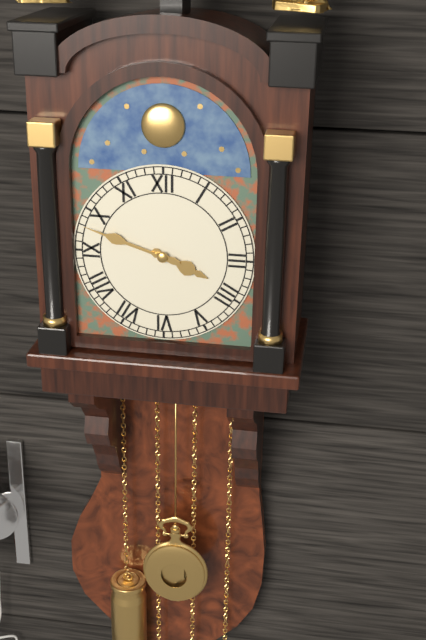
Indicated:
3.48
